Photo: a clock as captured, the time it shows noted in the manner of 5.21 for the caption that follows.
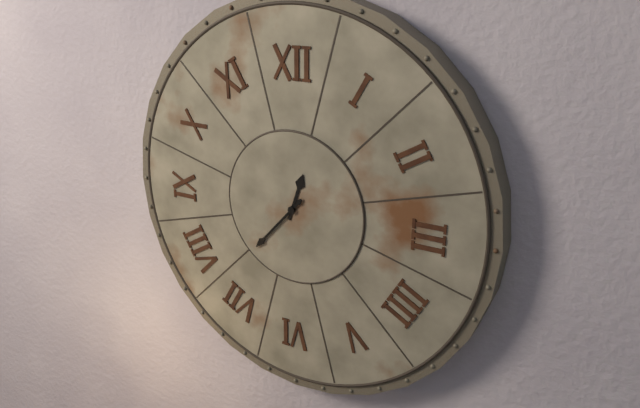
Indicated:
12.37
